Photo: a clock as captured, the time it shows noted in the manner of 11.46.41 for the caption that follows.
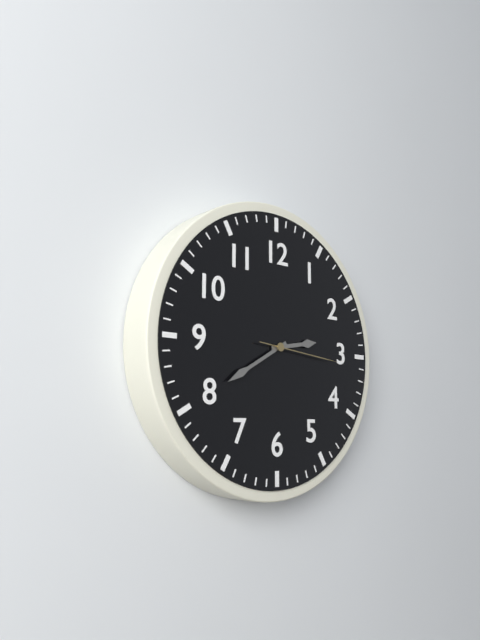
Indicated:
2.40.16
